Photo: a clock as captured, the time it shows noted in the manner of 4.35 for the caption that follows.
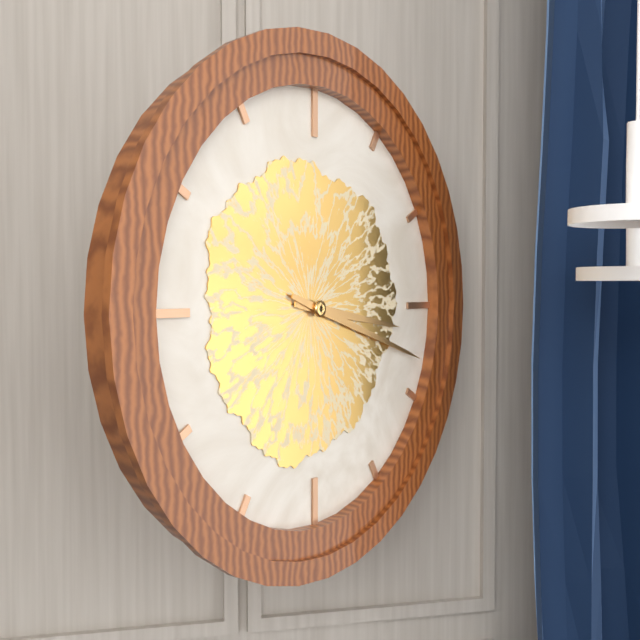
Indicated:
3.18
